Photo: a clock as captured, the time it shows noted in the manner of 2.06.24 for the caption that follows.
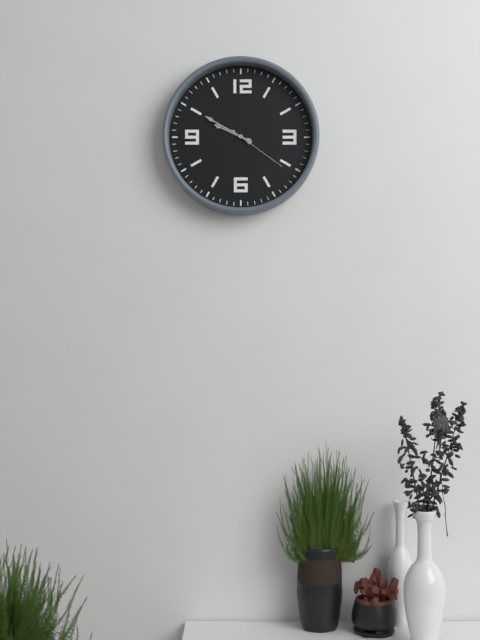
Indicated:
9.50.21
